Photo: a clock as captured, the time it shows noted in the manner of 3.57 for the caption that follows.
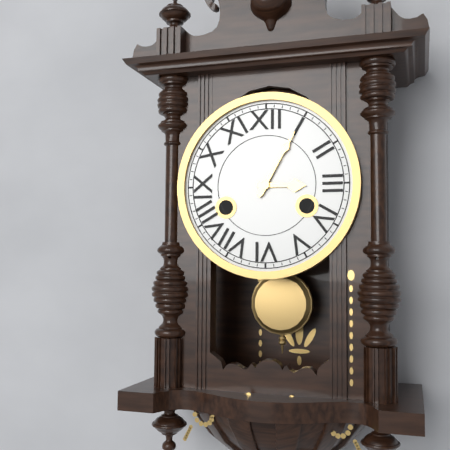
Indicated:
3.05
